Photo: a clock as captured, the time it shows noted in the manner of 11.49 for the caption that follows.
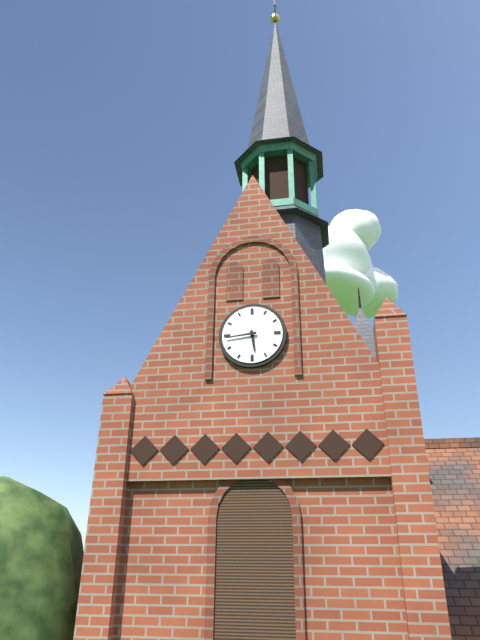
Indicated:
5.44
